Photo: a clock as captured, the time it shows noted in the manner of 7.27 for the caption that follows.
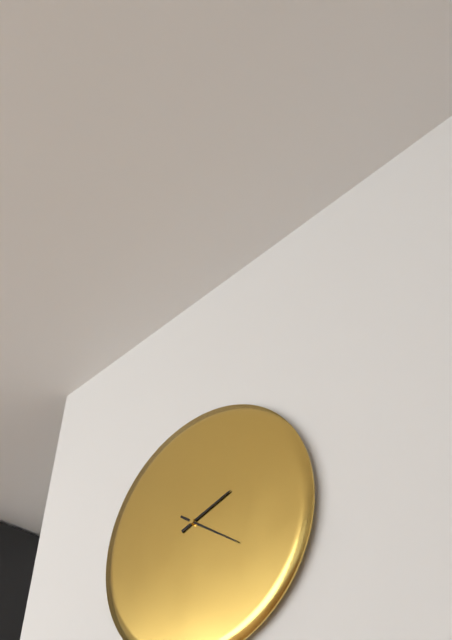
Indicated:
2.21
